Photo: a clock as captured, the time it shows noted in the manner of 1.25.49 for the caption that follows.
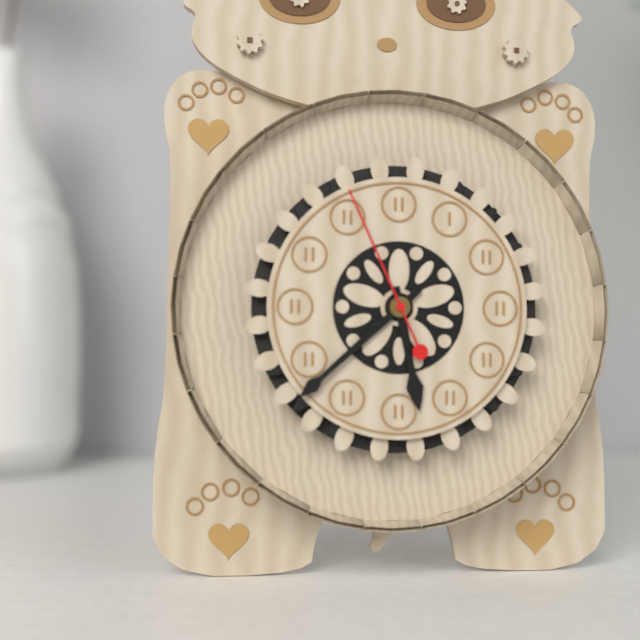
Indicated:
5.38.56
